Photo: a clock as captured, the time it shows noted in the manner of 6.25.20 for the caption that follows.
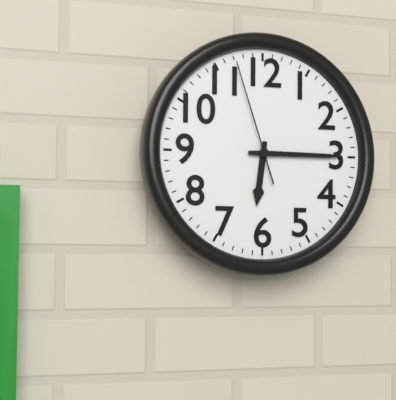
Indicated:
6.15.57
